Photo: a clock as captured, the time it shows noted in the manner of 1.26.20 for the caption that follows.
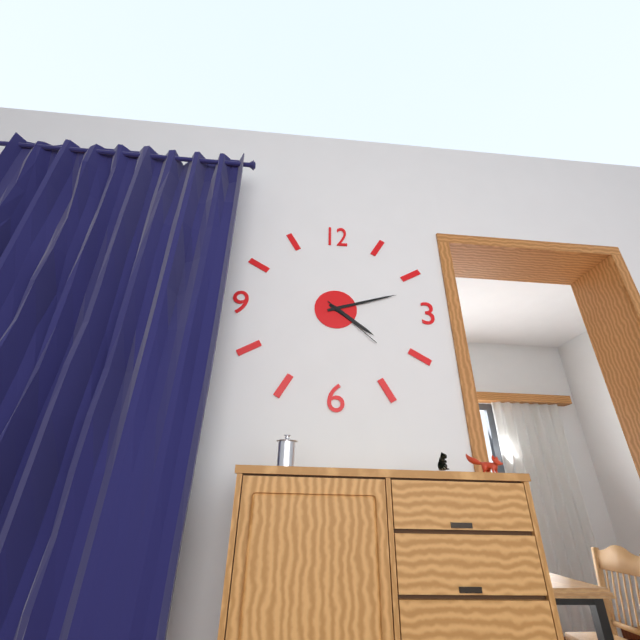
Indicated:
4.12.22
